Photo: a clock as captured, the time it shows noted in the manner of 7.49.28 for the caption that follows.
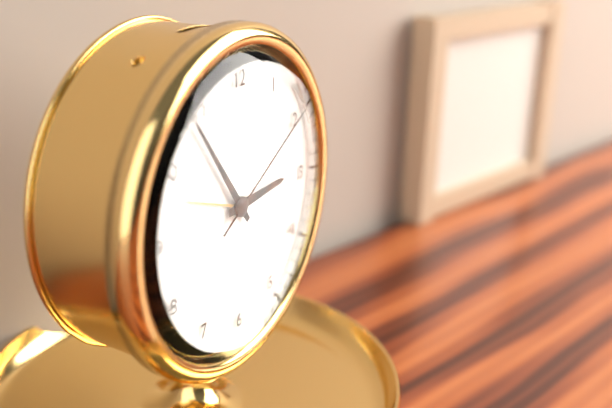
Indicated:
2.54.10
